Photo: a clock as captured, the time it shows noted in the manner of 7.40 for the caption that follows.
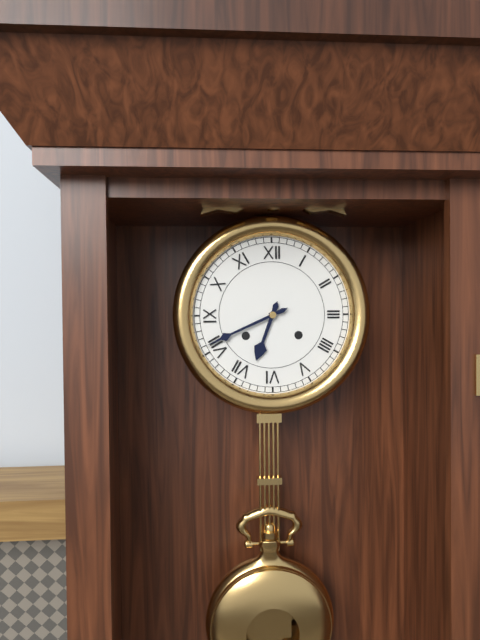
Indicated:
6.41
